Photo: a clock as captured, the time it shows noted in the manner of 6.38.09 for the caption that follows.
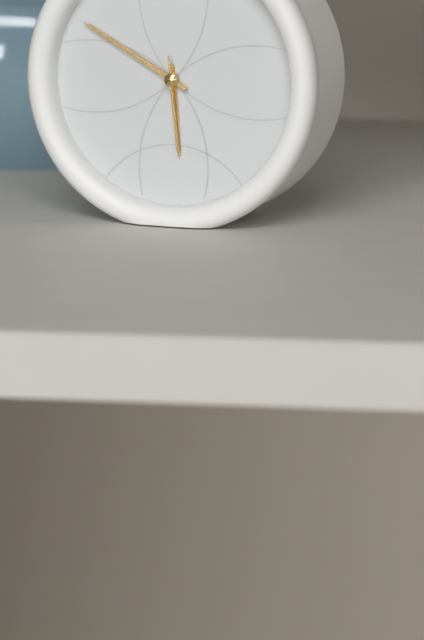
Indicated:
5.50.29
